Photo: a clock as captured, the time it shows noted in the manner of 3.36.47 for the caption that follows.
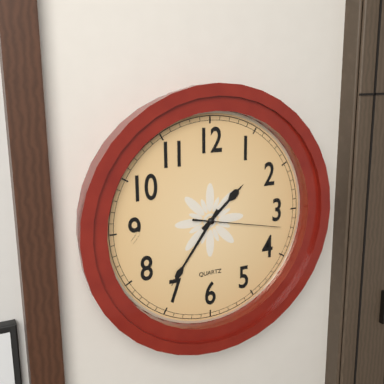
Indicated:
1.36.17
